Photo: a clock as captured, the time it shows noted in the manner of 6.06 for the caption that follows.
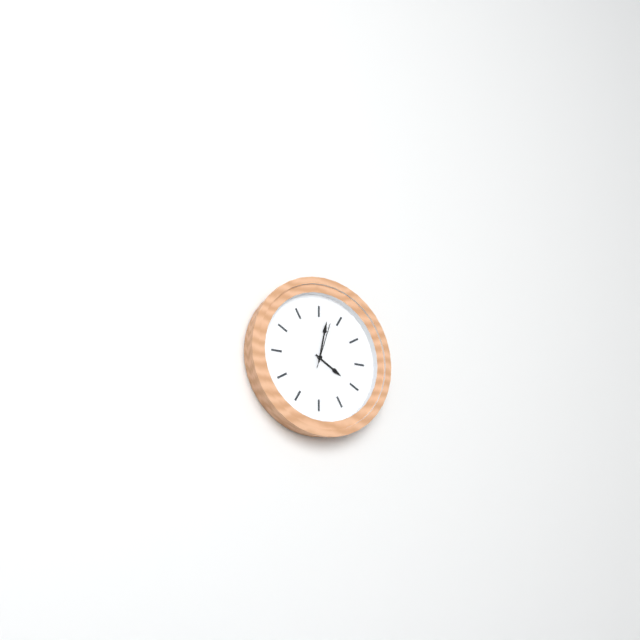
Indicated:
4.02
